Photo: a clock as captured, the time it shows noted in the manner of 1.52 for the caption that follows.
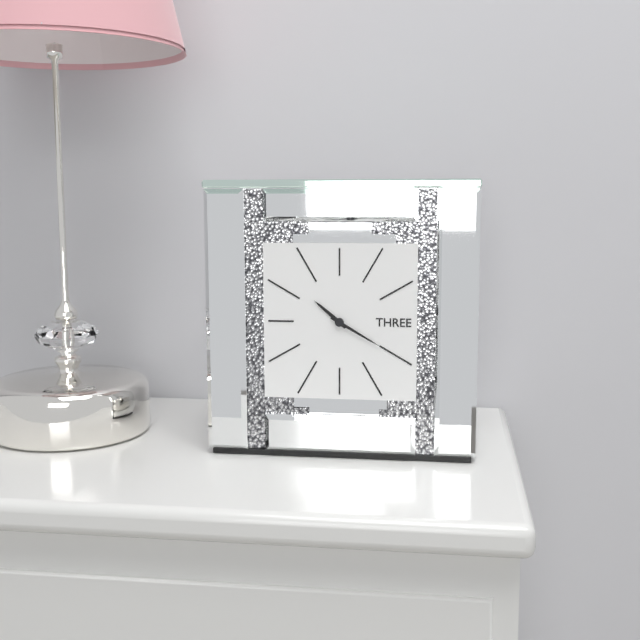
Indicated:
10.20
